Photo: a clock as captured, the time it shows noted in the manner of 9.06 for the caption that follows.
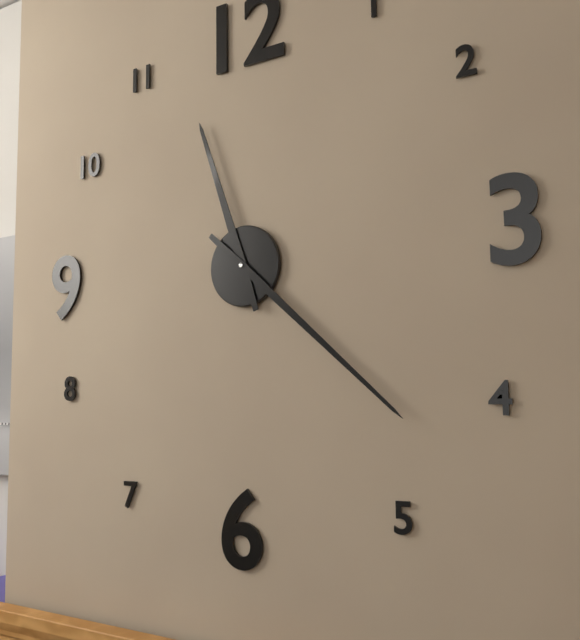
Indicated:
11.22
